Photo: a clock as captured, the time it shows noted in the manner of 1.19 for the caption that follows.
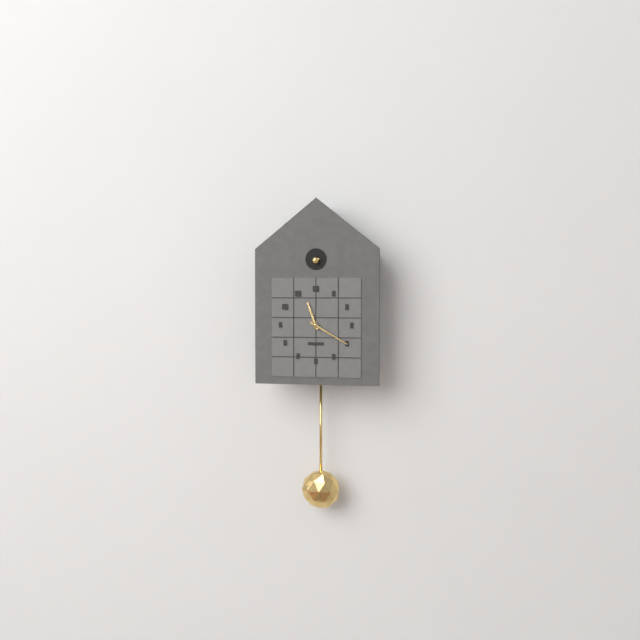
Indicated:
11.20
